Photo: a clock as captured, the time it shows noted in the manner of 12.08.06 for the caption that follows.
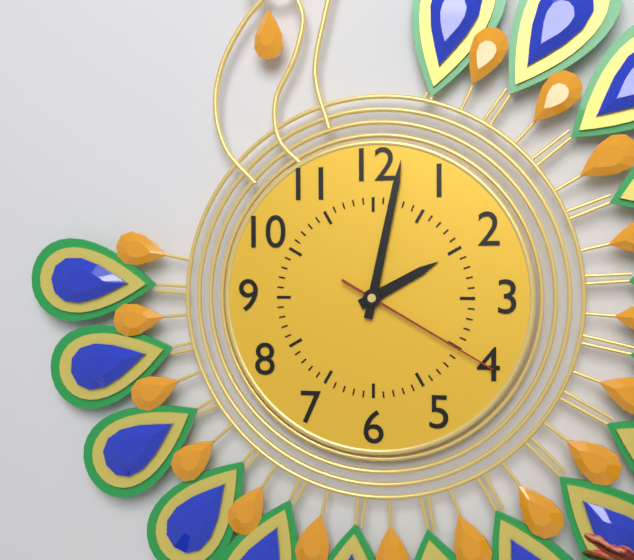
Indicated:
2.02.20
